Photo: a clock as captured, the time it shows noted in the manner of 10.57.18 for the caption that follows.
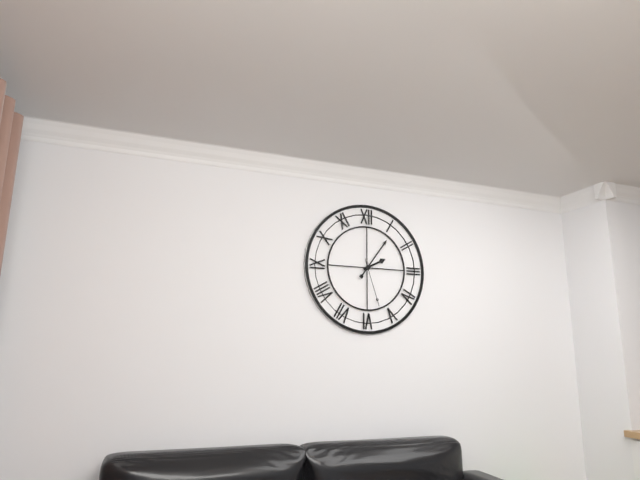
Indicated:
2.06.27
